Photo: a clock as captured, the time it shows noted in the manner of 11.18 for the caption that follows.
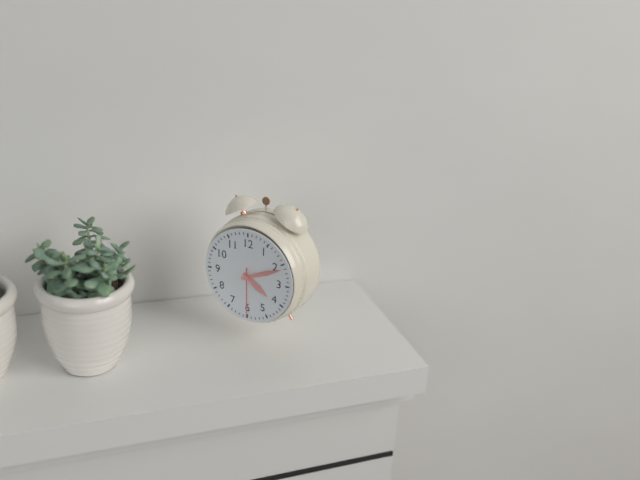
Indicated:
4.11
